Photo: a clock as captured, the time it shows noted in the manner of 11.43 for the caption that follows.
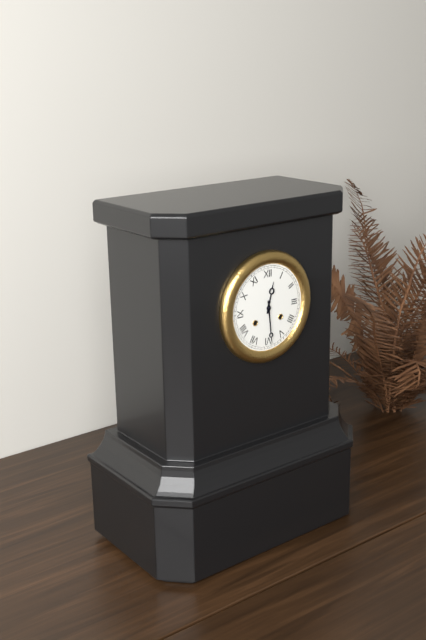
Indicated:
12.29
